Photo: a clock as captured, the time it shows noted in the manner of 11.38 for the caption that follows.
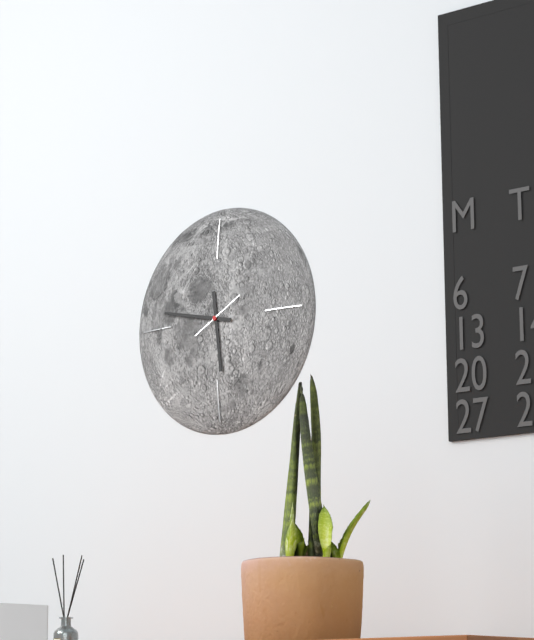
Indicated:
5.47
